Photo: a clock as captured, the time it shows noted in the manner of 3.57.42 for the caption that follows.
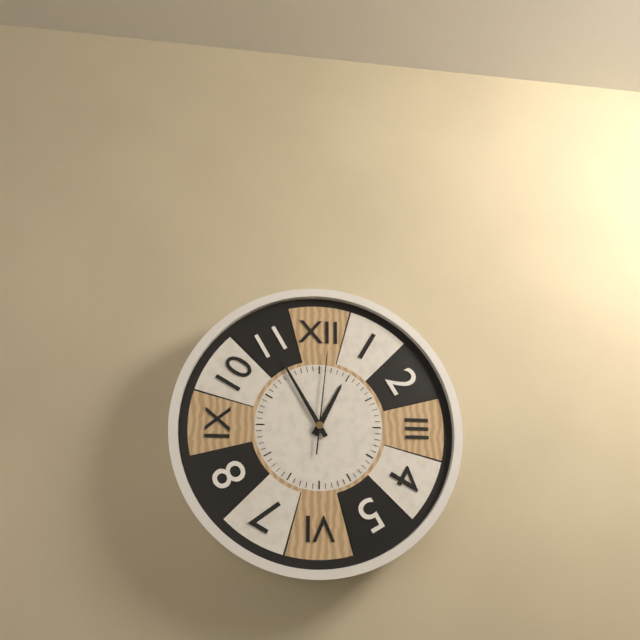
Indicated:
12.55.01
